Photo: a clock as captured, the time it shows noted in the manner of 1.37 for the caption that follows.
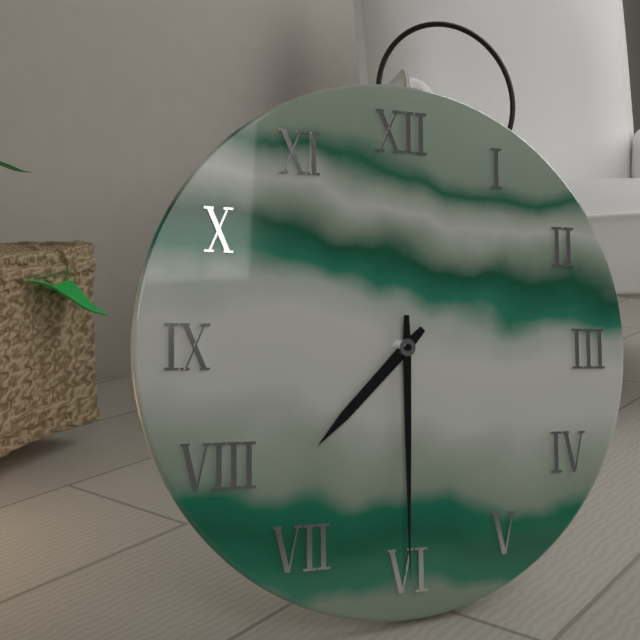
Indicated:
7.30
